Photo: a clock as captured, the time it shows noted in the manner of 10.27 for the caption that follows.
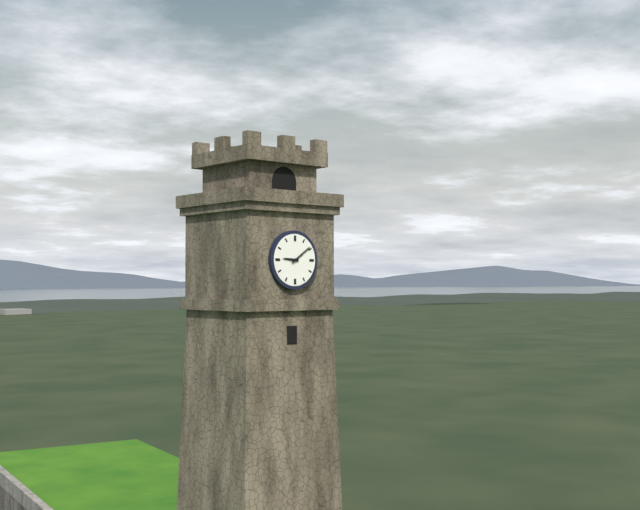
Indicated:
9.09
